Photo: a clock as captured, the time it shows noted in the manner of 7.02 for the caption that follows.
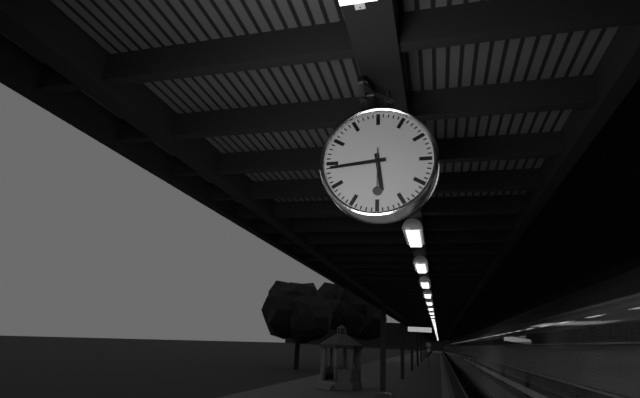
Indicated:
5.44
